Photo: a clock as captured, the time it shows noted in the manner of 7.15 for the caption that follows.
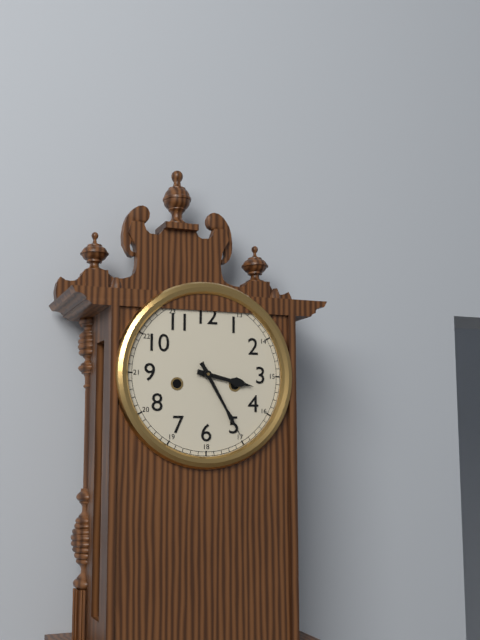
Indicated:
3.25
